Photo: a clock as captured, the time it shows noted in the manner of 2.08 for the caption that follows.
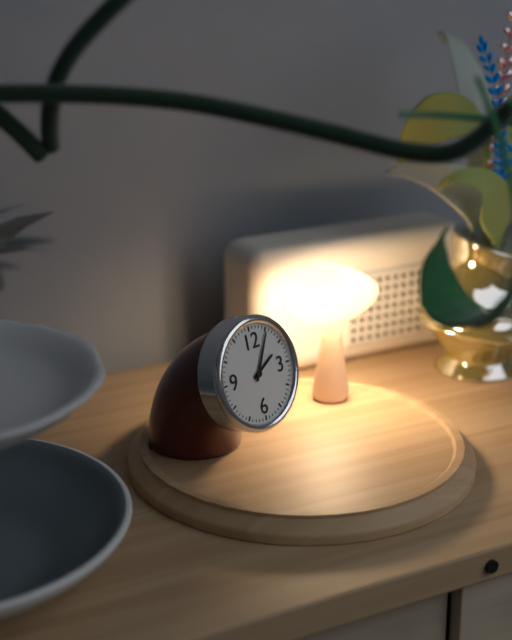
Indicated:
2.05
